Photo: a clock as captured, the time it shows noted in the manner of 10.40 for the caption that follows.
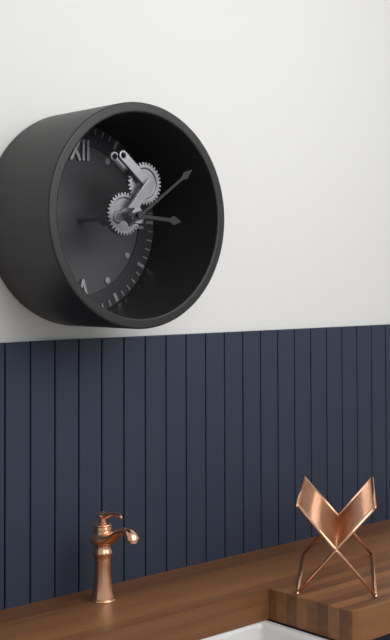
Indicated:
3.09
